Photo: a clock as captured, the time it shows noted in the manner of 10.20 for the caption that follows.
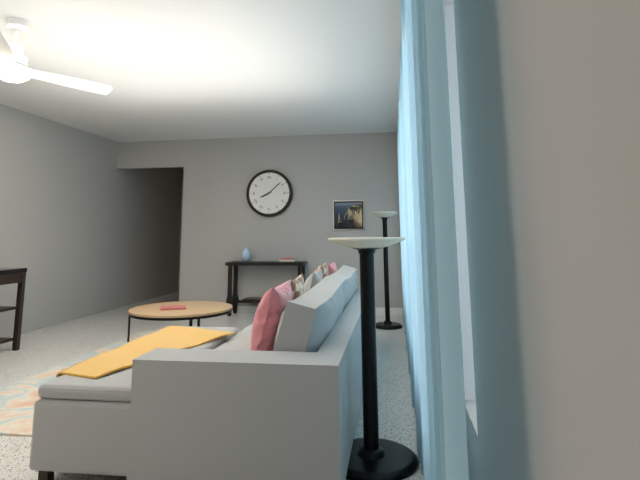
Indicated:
8.08
